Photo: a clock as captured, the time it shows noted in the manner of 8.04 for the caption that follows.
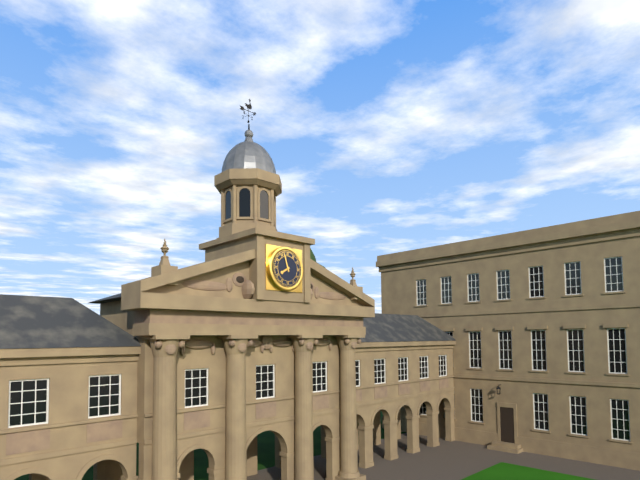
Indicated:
7.57
